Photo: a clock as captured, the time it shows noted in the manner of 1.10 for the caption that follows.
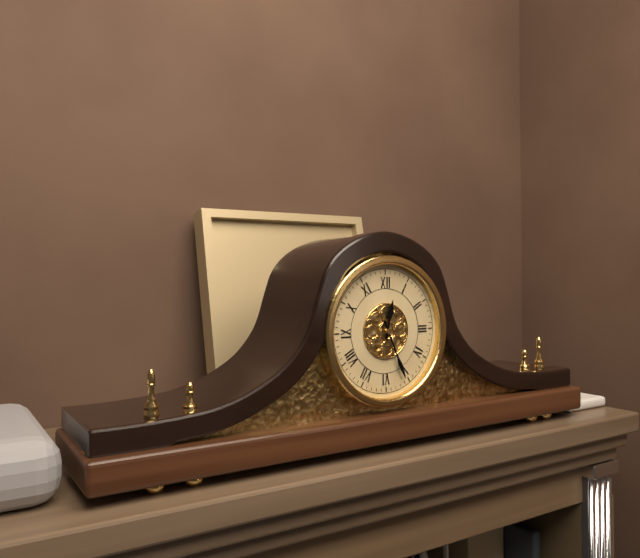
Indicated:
12.26
